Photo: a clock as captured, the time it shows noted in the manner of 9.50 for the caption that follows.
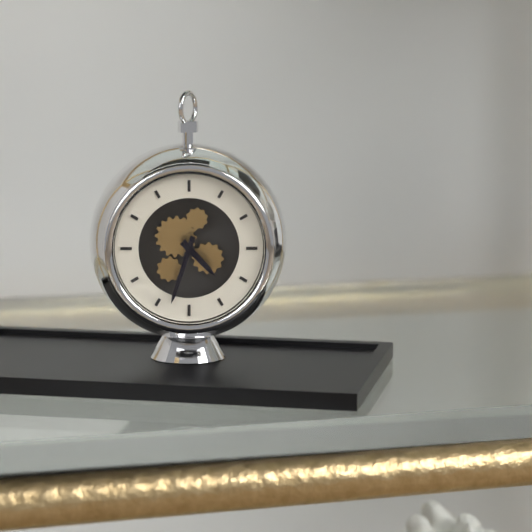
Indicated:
4.33
